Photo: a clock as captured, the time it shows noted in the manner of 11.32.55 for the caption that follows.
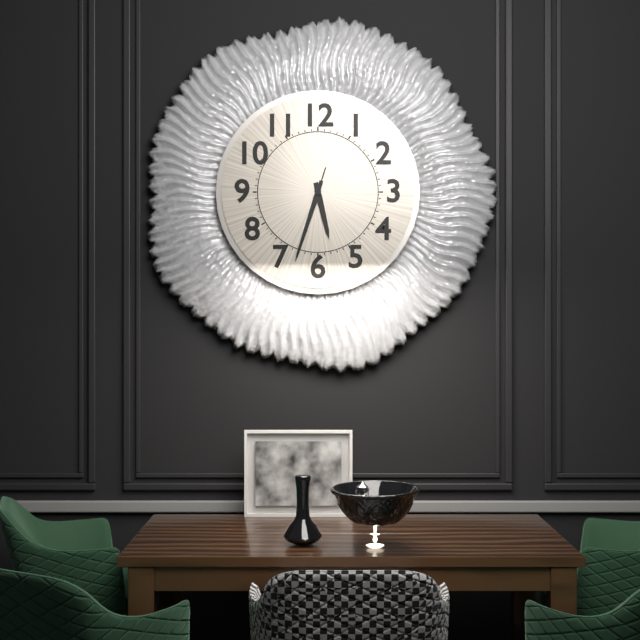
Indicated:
5.33.33
